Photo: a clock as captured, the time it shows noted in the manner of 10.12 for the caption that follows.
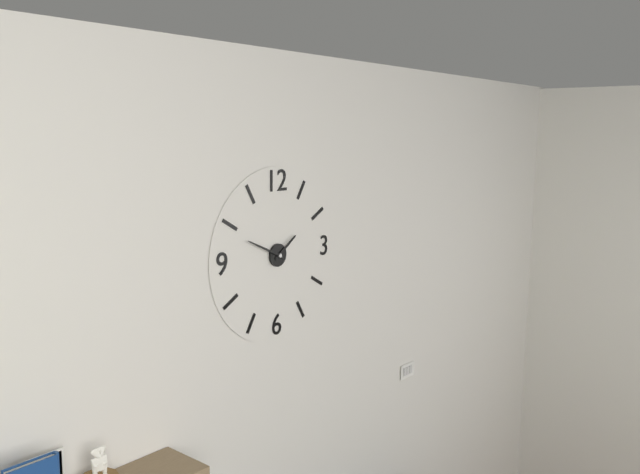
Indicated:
1.49
